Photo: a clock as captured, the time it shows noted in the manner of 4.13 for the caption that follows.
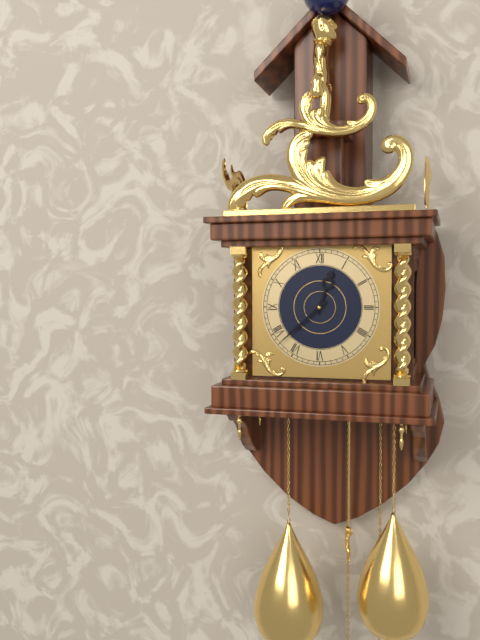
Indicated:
12.38
